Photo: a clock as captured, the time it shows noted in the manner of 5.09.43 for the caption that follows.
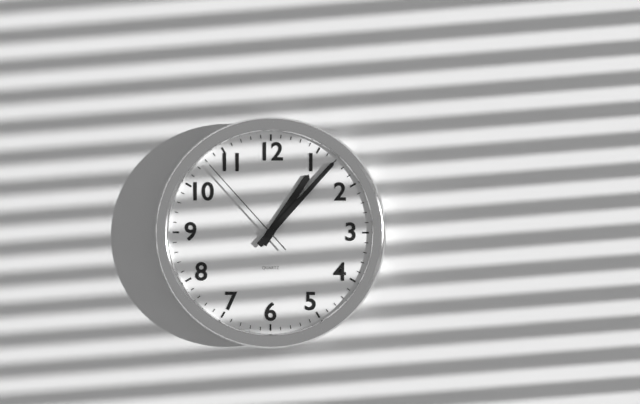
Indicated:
1.07.53
